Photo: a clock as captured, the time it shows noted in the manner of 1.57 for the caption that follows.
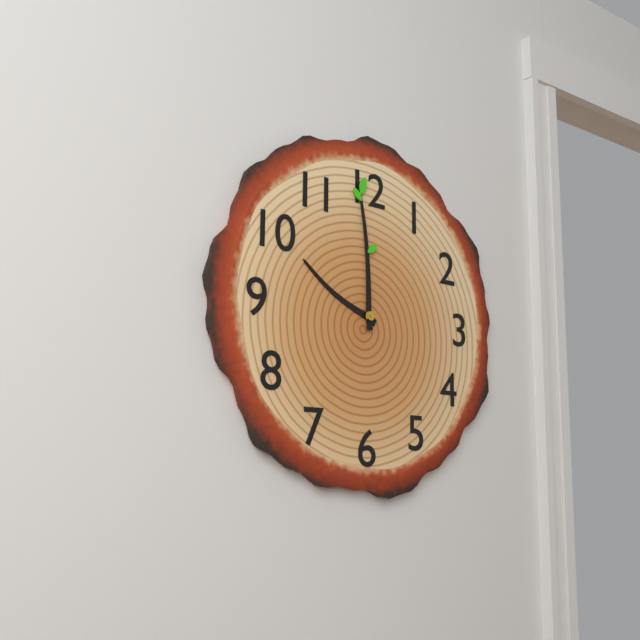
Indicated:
9.59
